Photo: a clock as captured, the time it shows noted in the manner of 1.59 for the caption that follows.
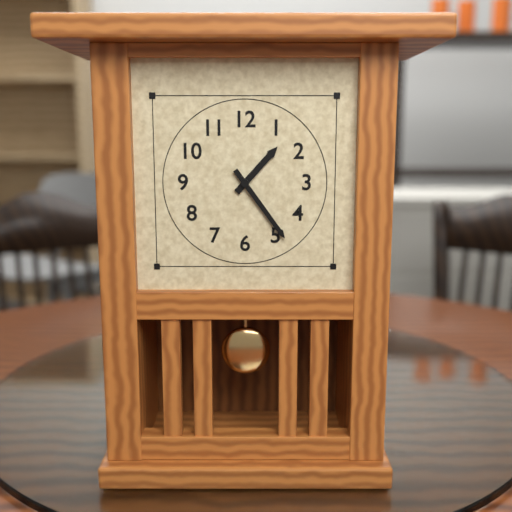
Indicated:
1.24
